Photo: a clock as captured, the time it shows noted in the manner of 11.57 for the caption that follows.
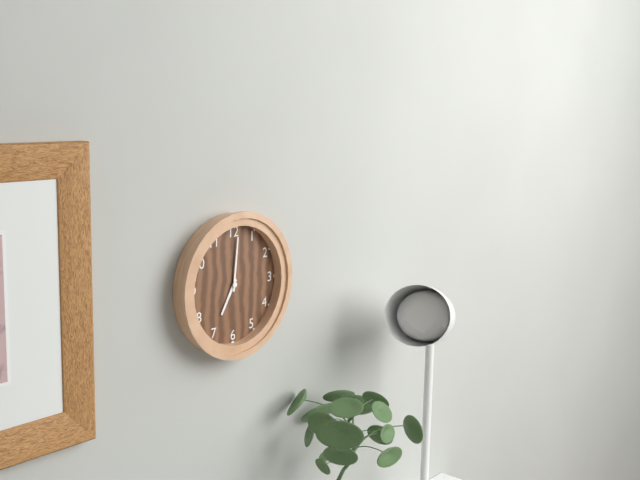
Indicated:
7.01
